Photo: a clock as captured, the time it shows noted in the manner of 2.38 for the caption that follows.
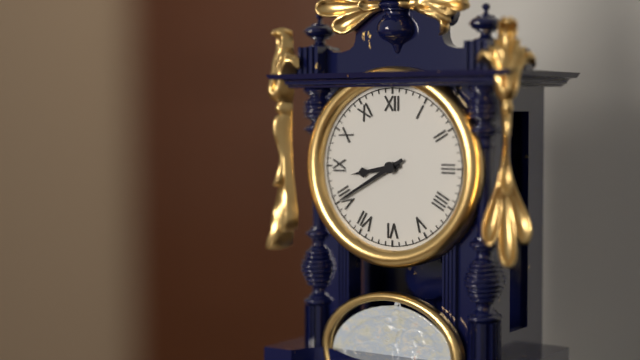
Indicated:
8.40
